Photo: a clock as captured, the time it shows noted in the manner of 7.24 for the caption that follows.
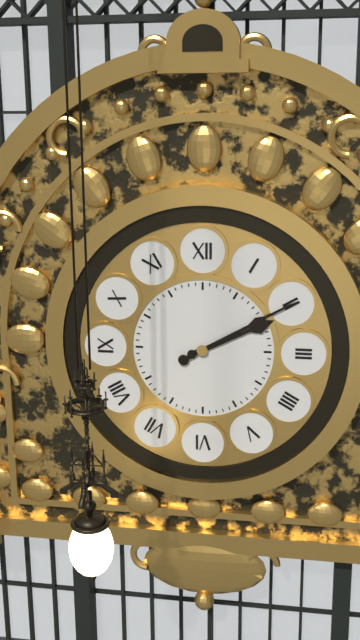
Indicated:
2.10
